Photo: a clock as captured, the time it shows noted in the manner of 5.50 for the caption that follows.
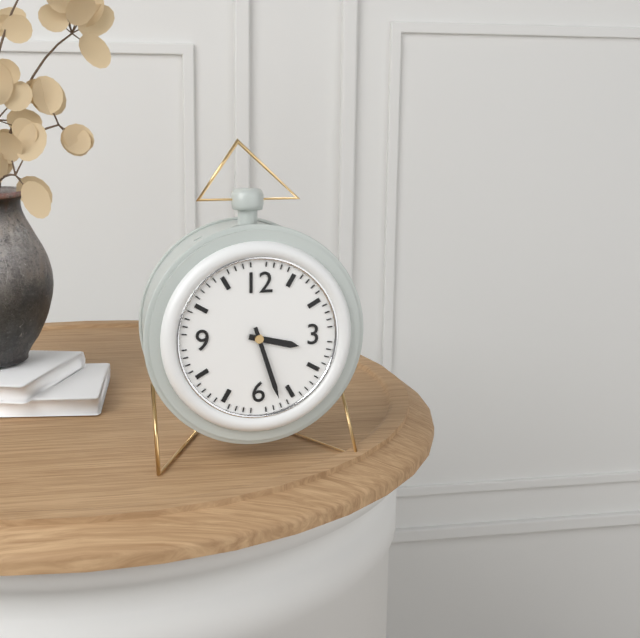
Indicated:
3.27
